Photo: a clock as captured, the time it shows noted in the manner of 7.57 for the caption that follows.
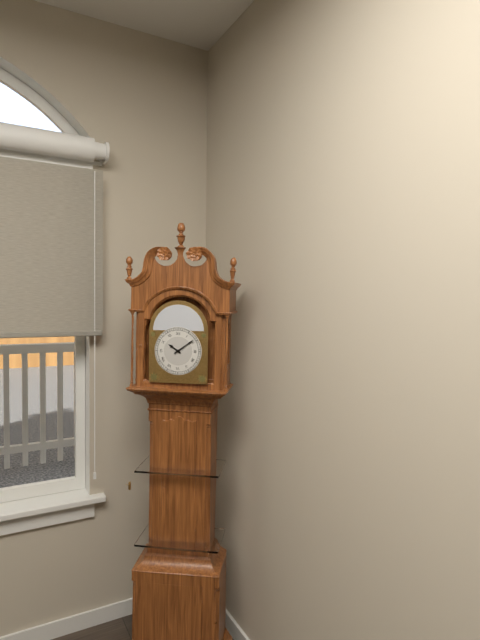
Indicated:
10.09
